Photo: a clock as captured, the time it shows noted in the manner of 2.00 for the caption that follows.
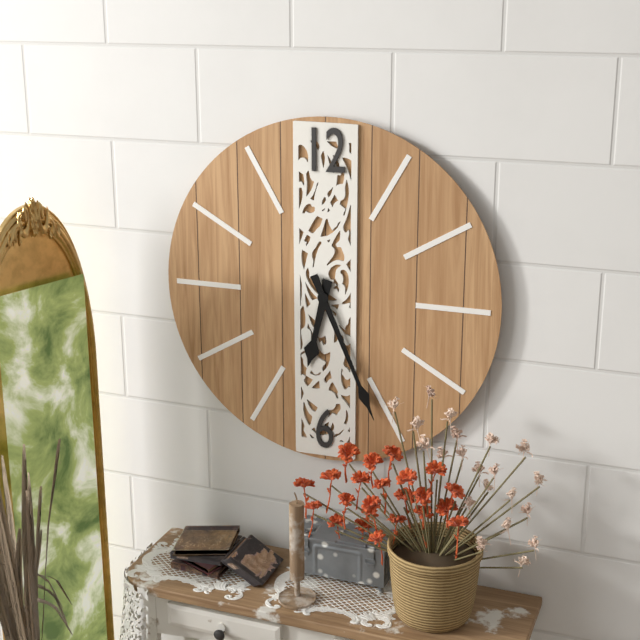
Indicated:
6.26
